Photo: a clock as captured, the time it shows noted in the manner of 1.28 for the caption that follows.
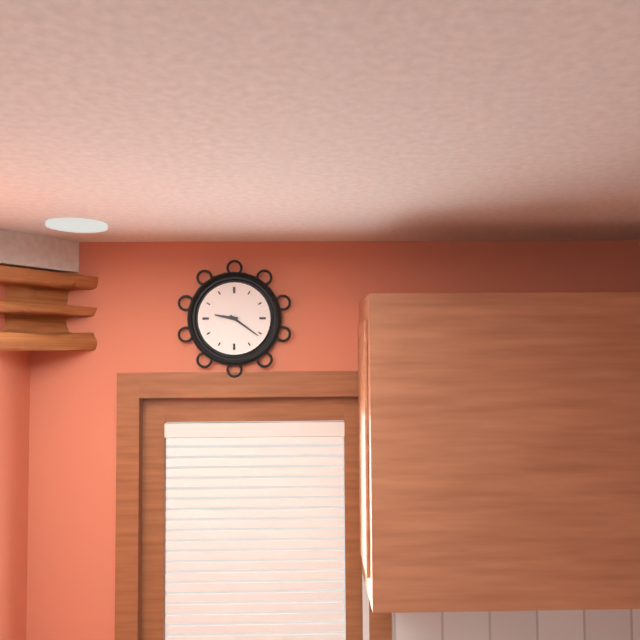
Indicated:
9.21
